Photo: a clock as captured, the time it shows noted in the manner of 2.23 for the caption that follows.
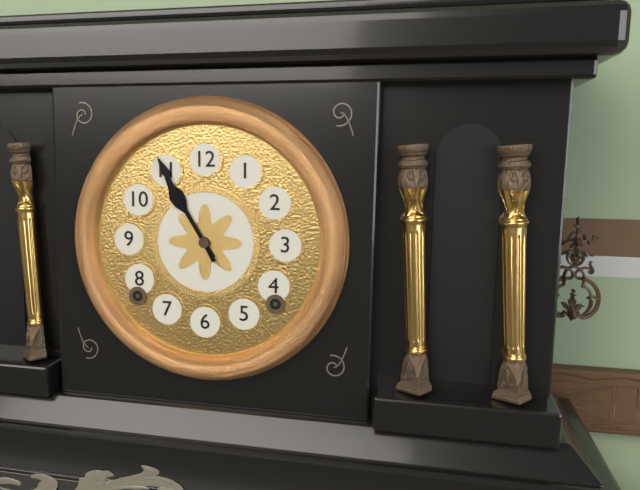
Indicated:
10.55
